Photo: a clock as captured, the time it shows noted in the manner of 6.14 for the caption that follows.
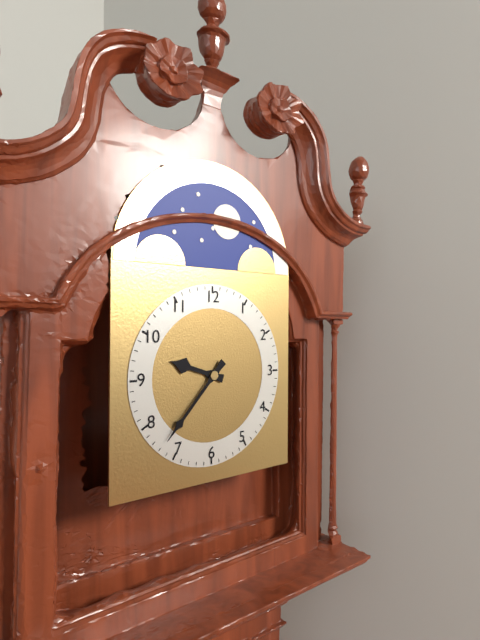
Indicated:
9.37
